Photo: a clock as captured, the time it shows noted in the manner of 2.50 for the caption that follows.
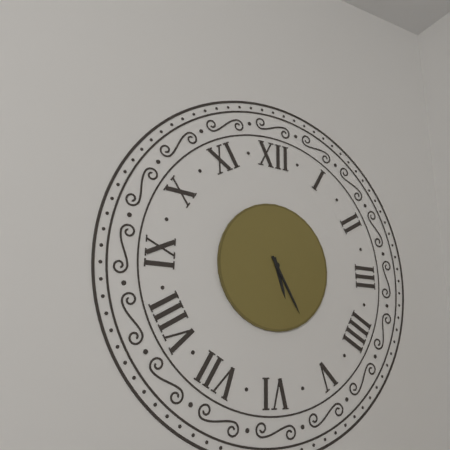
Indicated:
5.25
